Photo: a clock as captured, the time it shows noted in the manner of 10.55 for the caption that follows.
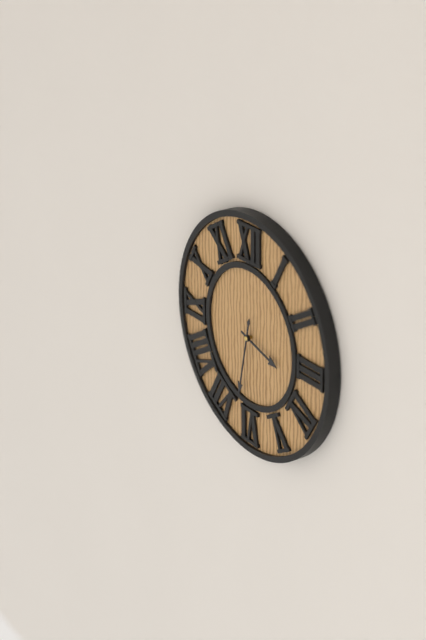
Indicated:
3.32
